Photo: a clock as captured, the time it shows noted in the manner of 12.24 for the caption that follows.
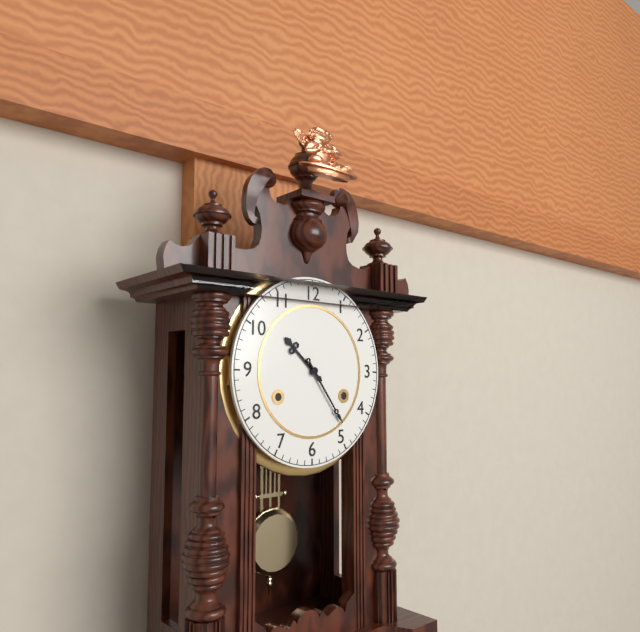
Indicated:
10.24
